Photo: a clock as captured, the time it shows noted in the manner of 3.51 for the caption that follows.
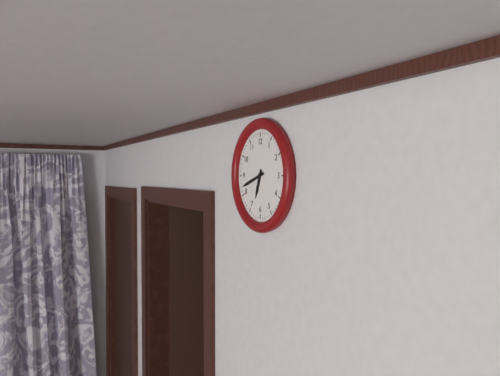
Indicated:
6.42
